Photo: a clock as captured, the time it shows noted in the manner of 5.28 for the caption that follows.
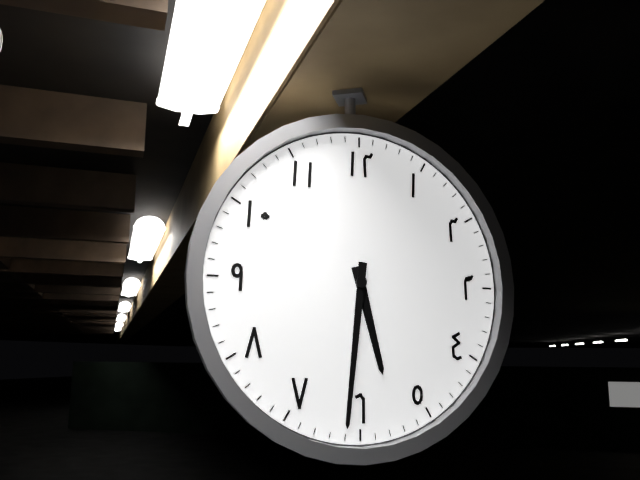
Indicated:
5.31
